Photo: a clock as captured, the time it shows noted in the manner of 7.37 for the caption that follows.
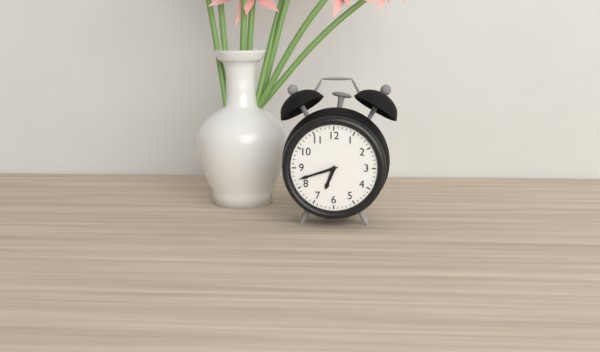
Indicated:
6.42
